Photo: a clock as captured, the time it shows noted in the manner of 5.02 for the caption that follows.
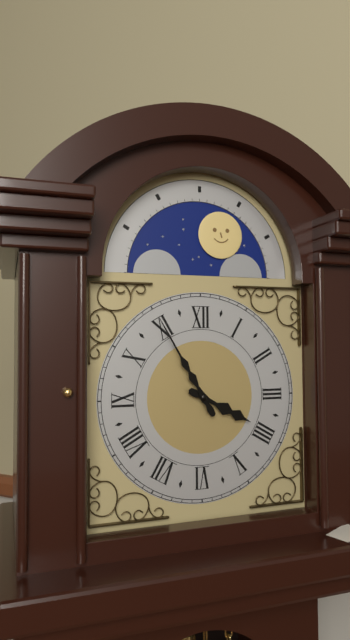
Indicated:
3.55
